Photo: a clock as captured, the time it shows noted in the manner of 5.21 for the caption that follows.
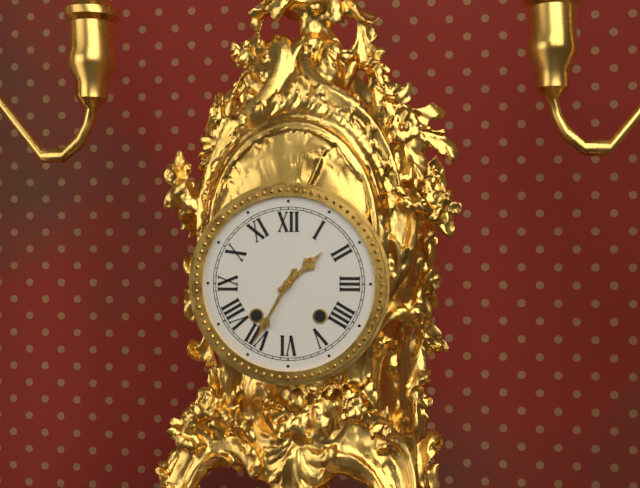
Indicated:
1.35
